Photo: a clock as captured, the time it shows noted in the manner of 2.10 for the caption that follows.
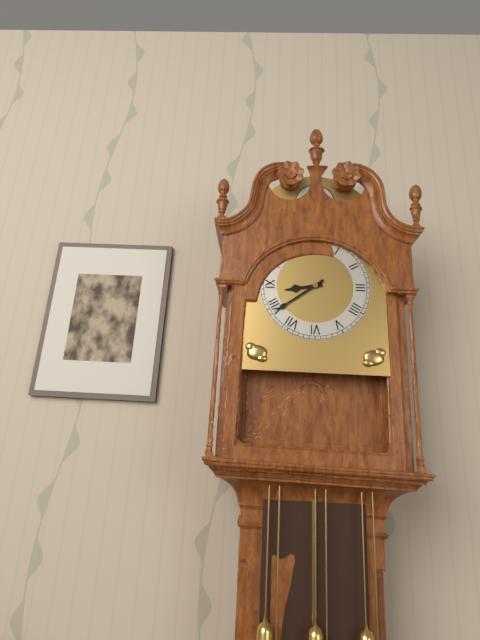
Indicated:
8.39
